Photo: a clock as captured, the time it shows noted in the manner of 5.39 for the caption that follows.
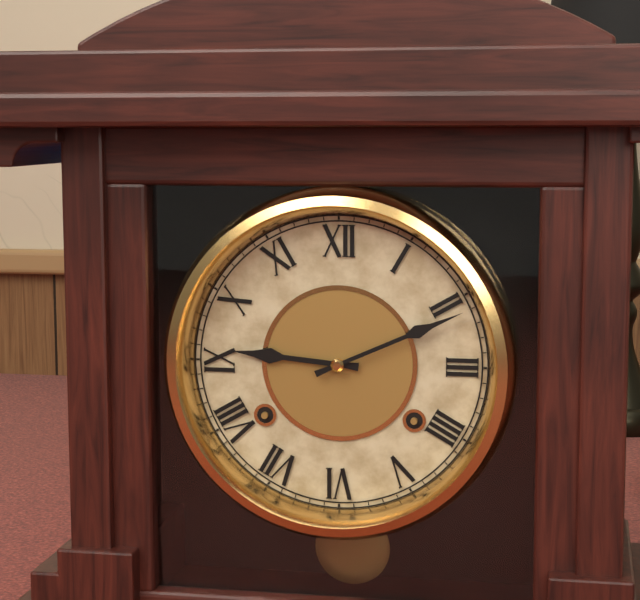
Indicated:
9.11
